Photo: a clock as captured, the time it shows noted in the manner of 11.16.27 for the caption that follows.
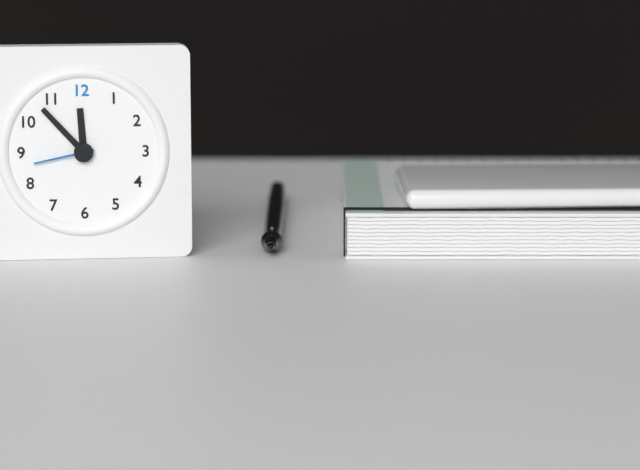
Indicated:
11.53.43
